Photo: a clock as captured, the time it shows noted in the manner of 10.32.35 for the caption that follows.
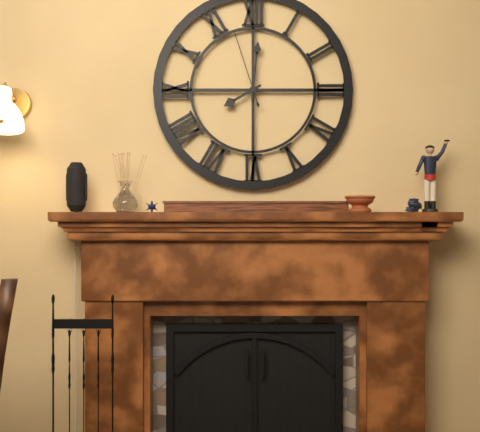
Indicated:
8.01.57
